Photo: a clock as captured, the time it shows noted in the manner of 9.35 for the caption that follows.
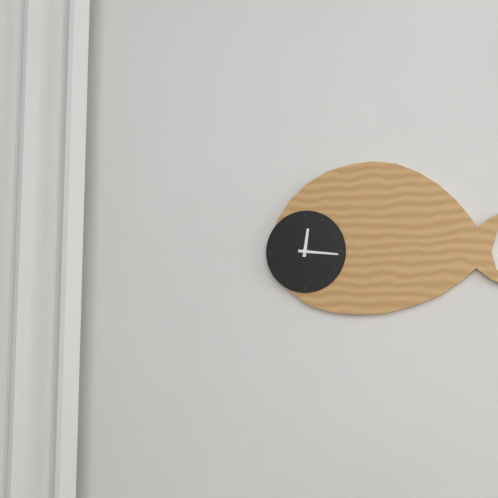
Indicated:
12.16
